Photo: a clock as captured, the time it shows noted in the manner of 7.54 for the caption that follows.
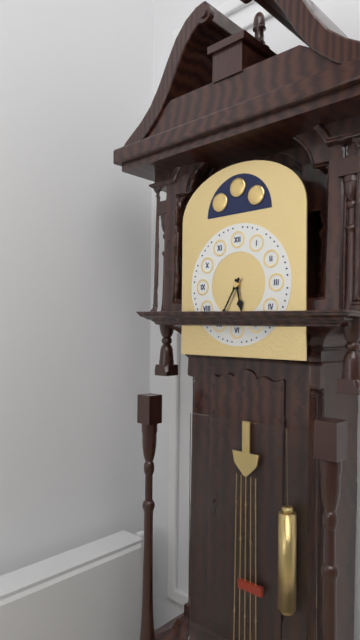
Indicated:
5.35
